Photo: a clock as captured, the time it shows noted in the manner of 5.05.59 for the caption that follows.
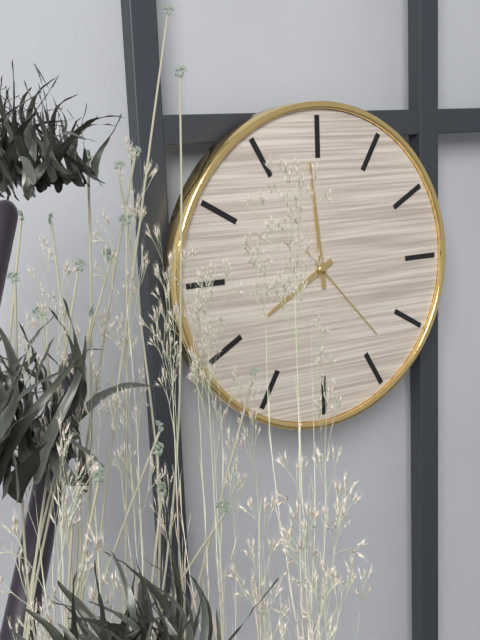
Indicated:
7.59.23
